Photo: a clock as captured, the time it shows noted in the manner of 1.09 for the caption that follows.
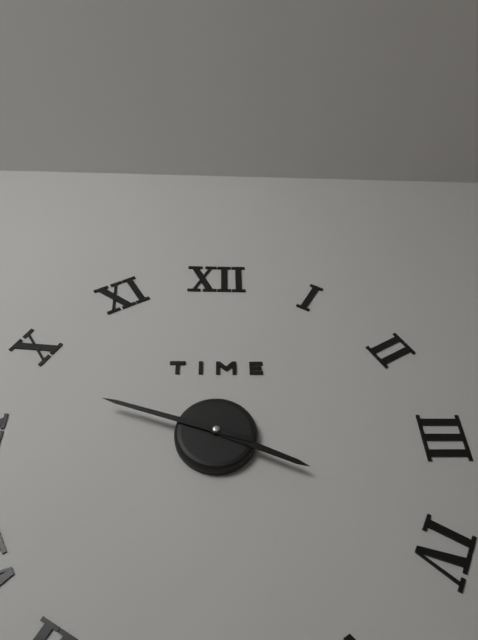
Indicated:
3.48
